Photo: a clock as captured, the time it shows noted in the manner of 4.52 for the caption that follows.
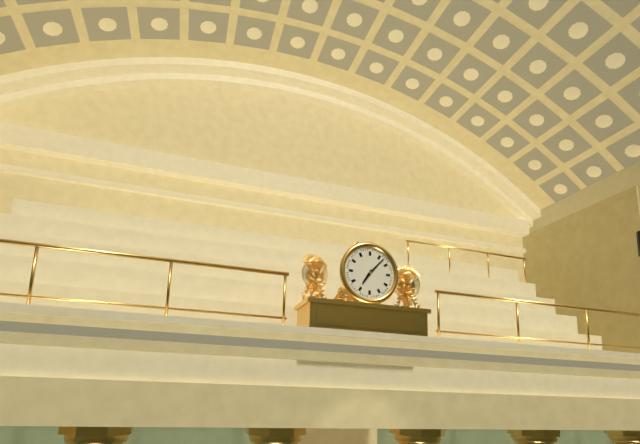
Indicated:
7.07
